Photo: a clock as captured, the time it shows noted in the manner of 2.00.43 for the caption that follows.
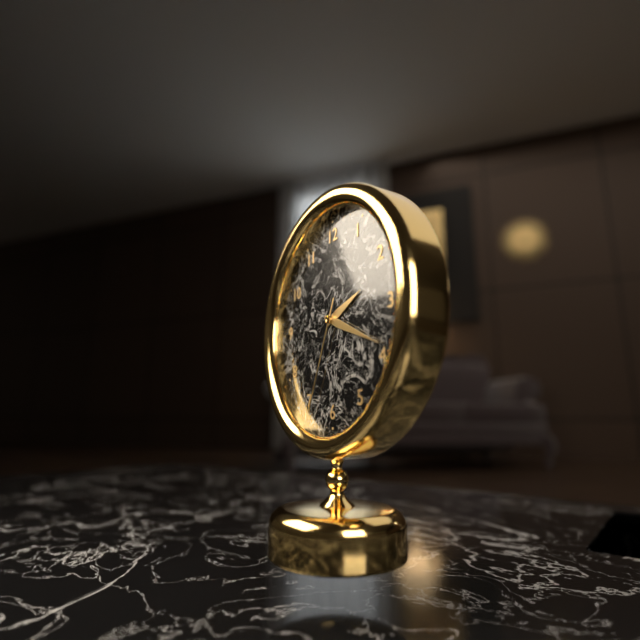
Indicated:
2.19.34
